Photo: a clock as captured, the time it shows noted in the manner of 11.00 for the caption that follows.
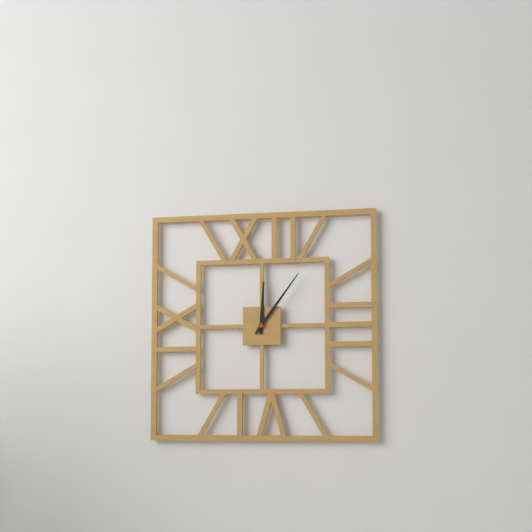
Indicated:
12.06
